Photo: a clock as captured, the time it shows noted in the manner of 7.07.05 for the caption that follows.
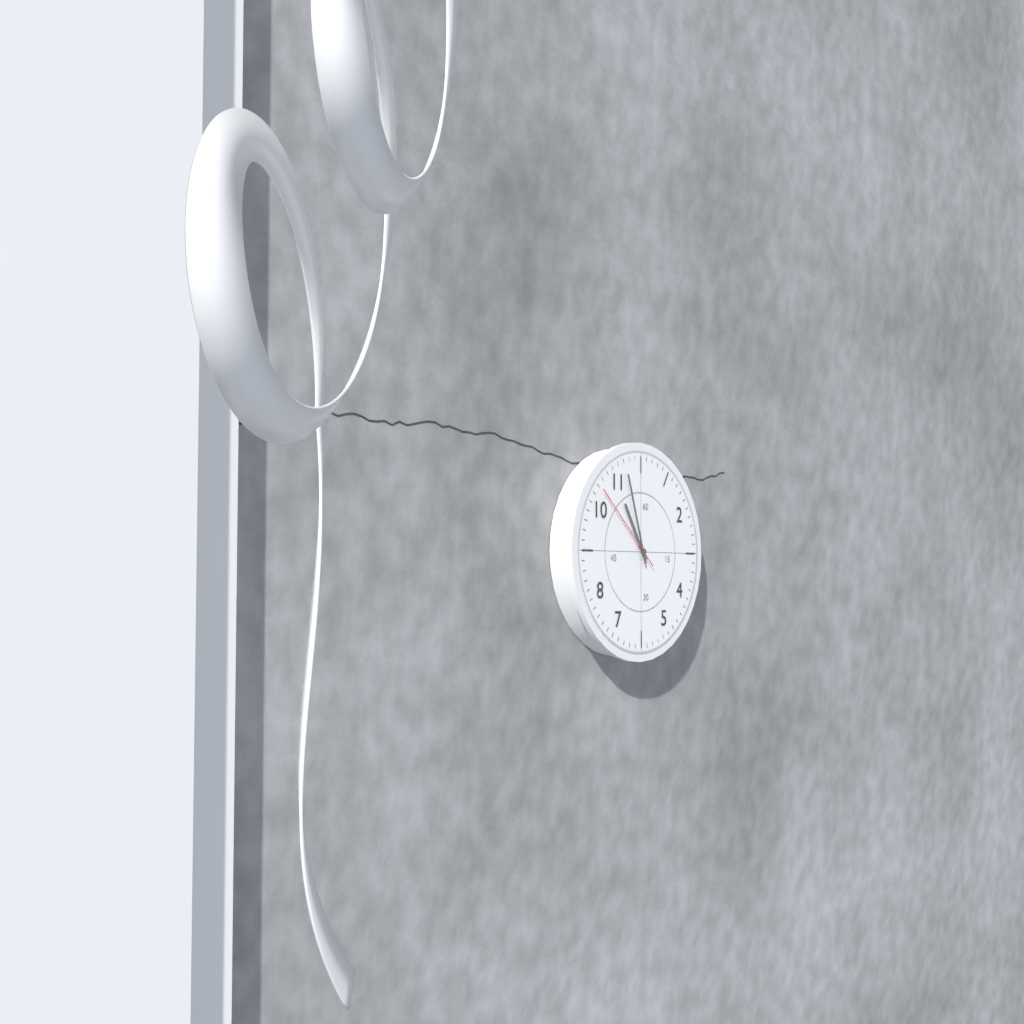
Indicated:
10.57.52
